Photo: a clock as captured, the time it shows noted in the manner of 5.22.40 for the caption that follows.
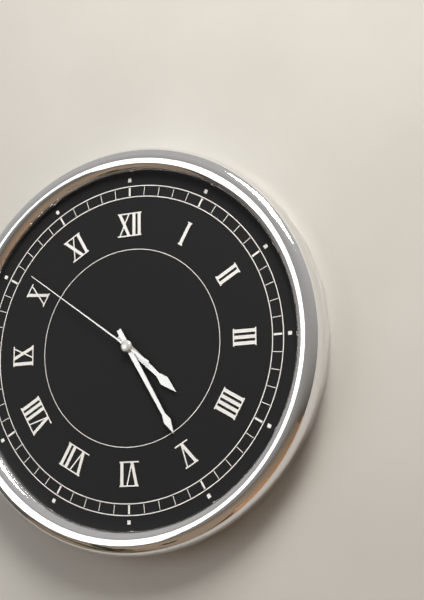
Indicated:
4.25.51
